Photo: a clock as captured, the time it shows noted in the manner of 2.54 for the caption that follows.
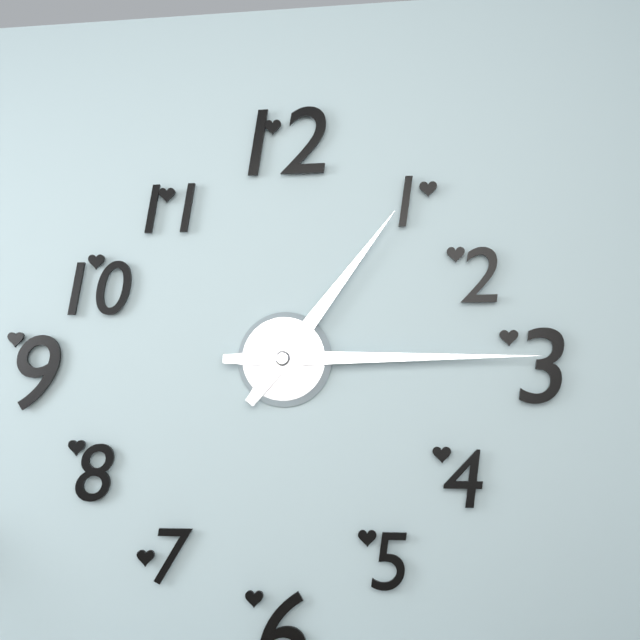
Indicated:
1.15
